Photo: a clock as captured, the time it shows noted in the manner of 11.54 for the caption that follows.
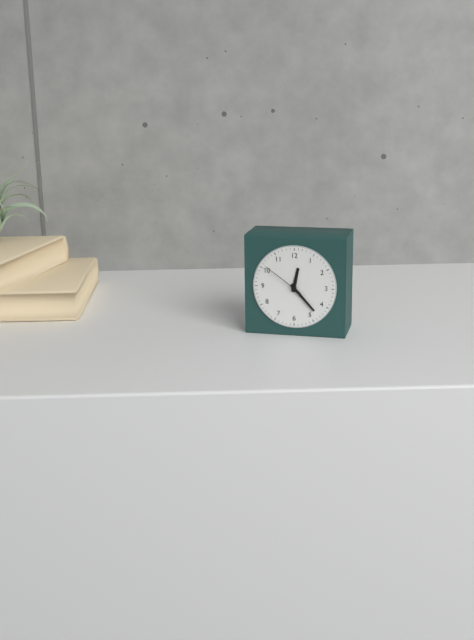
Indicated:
12.23
